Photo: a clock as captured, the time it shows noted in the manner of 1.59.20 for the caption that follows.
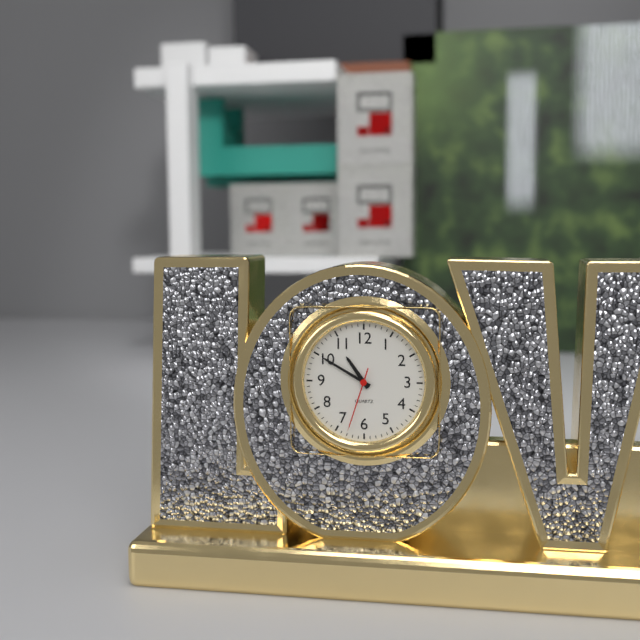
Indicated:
10.50.33
